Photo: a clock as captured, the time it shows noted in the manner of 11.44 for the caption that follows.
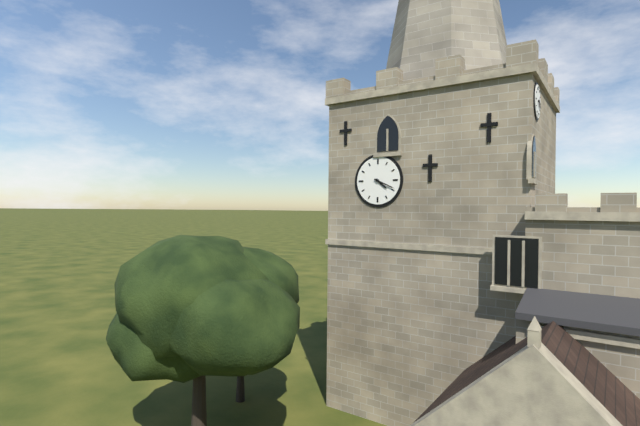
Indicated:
4.19
